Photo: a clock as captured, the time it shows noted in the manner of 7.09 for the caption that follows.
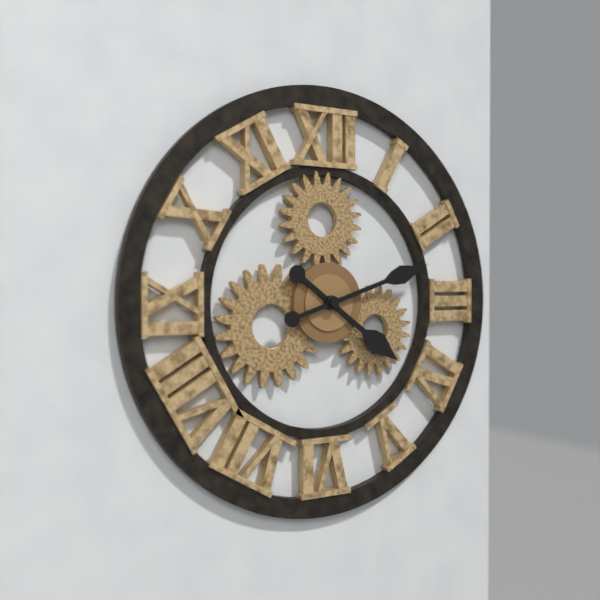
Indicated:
4.12
